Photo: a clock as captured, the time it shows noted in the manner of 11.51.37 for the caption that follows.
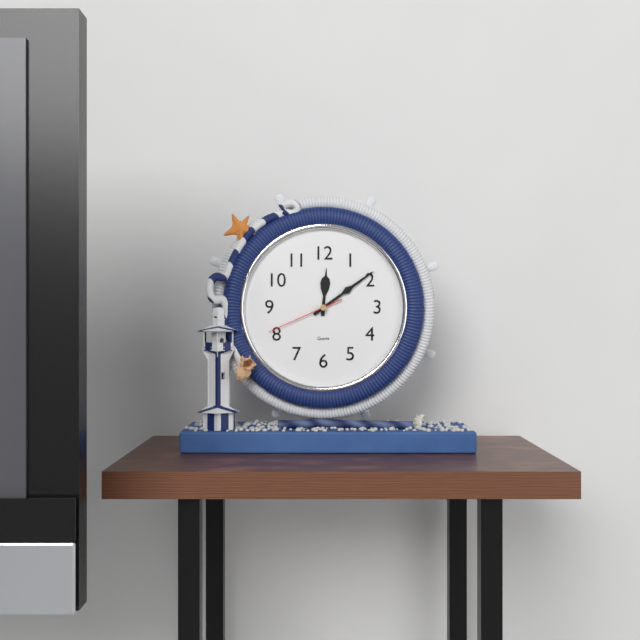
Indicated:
12.09.41
